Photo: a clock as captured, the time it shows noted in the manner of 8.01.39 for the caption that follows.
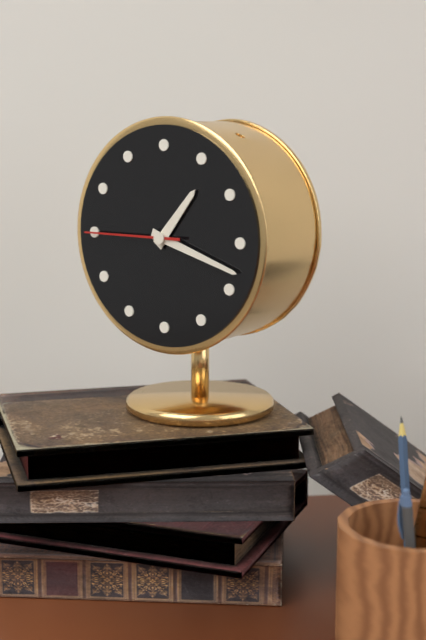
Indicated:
1.18.45
